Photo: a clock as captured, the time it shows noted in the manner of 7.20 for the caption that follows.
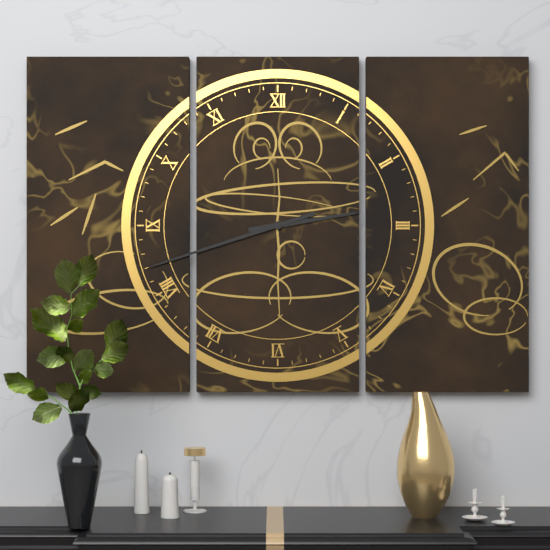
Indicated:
2.42
